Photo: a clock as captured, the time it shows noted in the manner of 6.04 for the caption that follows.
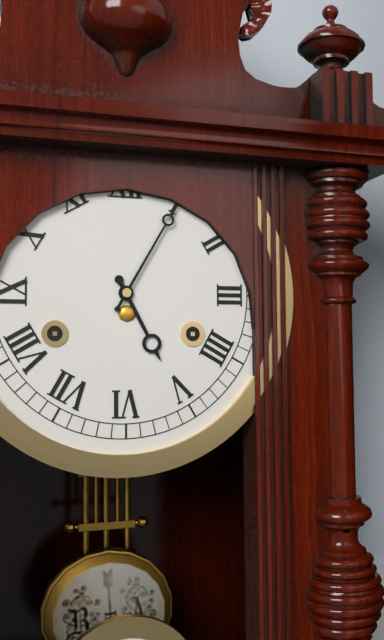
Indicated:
5.05
